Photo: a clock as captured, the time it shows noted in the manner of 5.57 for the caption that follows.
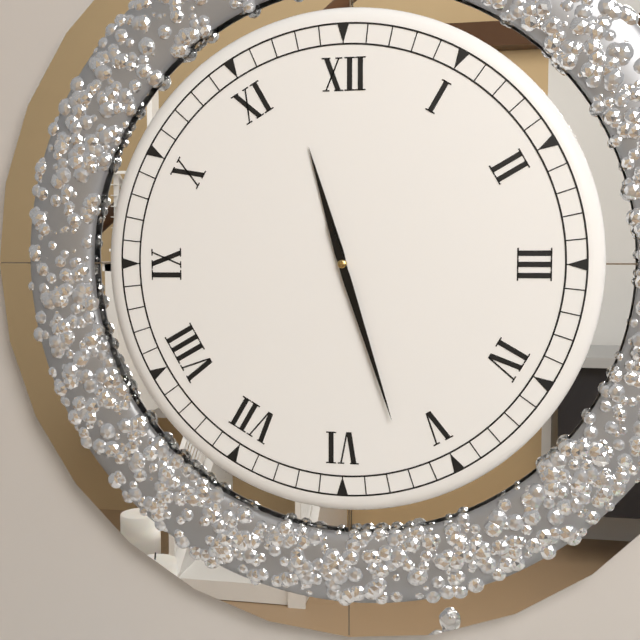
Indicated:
11.27
